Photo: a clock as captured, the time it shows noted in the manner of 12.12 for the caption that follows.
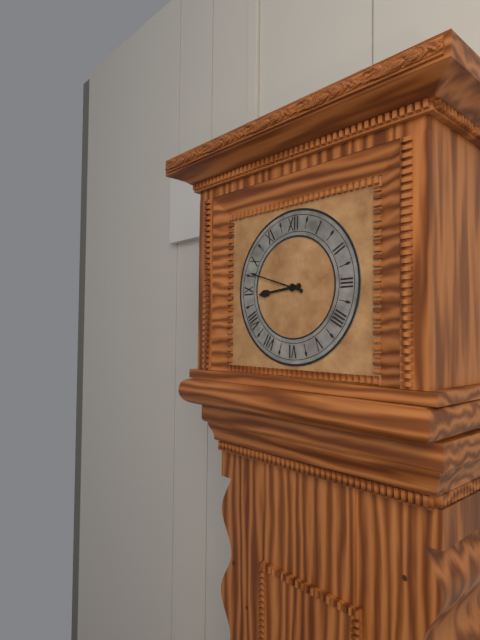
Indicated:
8.48
